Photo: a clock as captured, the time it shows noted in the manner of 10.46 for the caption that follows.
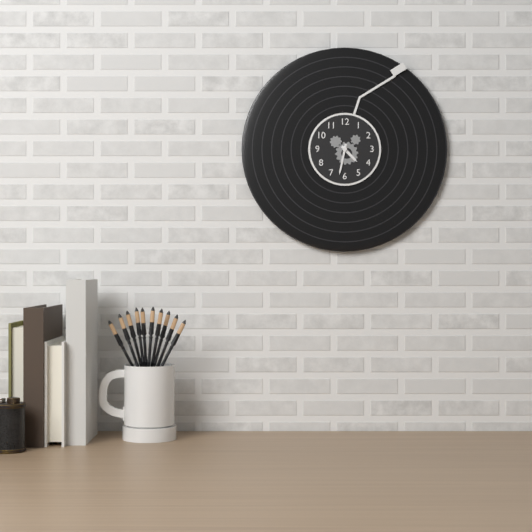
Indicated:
4.32
